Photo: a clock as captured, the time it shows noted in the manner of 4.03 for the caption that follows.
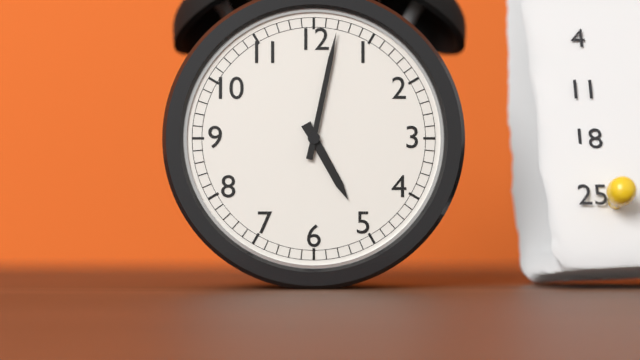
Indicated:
5.02
